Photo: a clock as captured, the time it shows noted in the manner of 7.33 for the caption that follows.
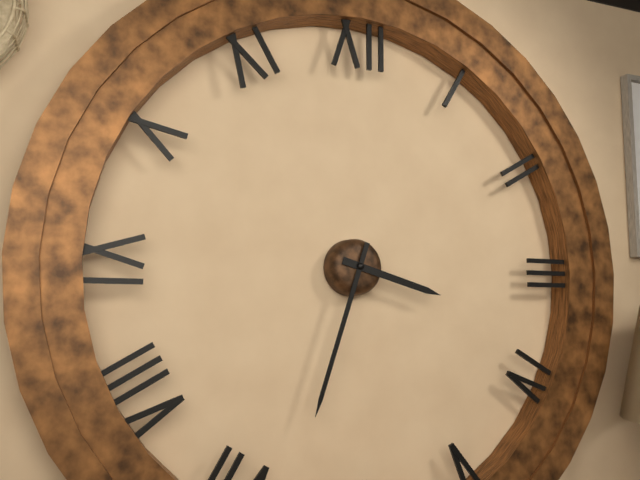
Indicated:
3.33
